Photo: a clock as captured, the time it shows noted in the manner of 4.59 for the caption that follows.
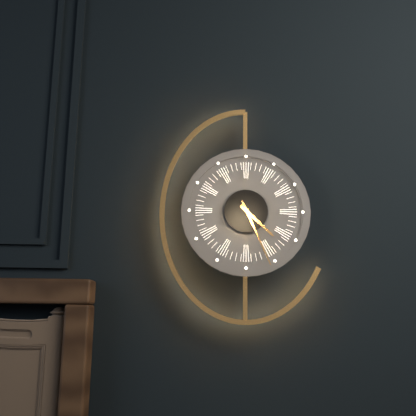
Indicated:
4.26
